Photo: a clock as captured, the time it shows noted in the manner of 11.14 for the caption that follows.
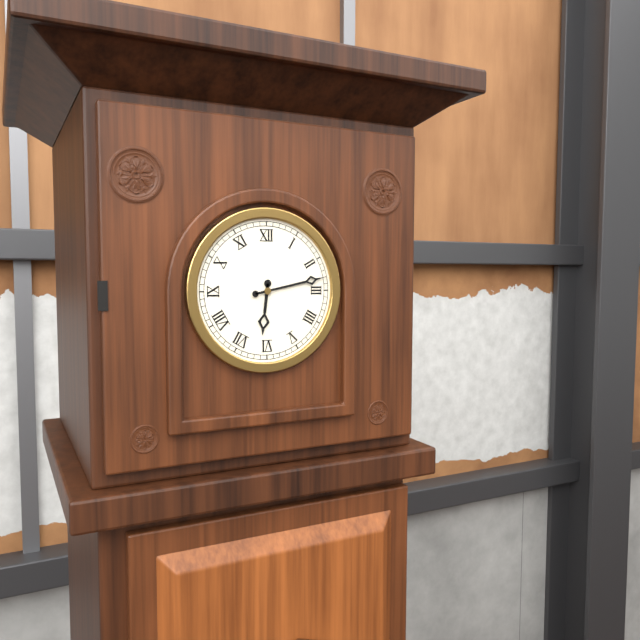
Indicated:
6.13
